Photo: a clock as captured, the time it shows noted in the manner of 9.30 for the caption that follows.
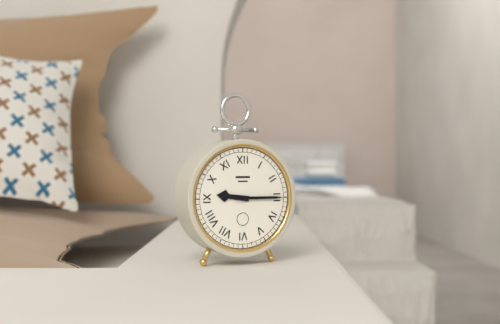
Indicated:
9.15
